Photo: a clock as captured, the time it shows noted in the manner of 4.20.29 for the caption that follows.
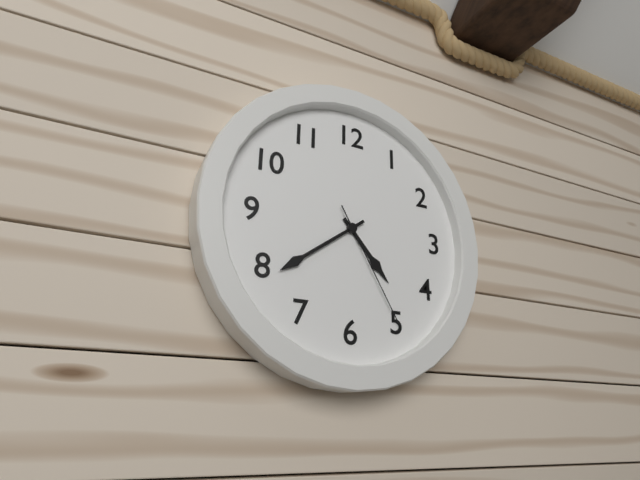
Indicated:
4.39.25
